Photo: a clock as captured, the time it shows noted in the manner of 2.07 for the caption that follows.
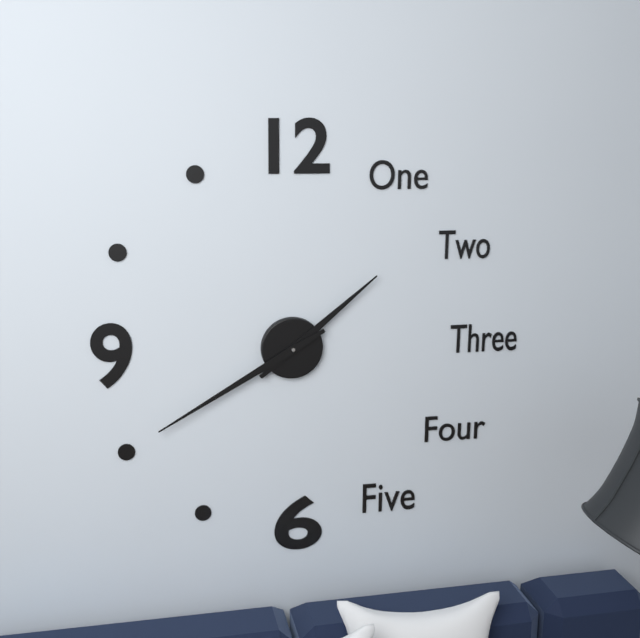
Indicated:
1.40
